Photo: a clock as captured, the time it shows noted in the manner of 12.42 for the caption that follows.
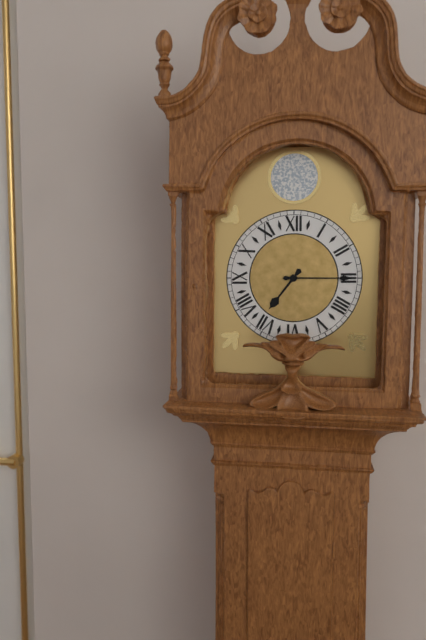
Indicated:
7.15
